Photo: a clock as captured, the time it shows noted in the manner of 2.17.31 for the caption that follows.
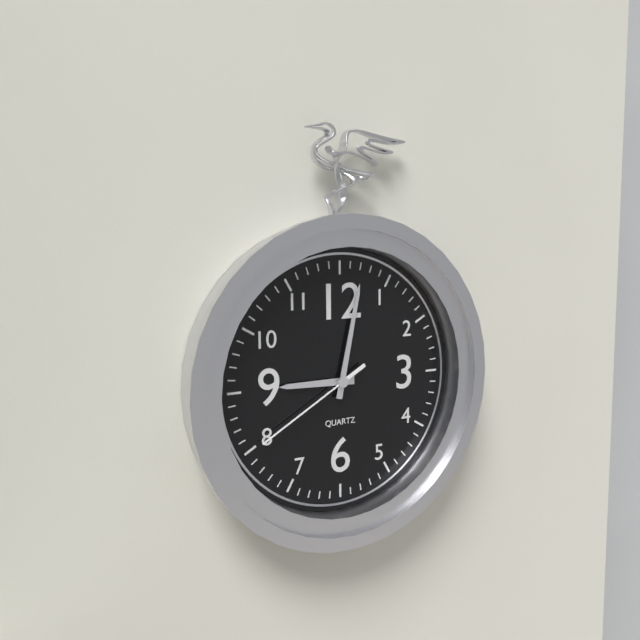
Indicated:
9.02.40
